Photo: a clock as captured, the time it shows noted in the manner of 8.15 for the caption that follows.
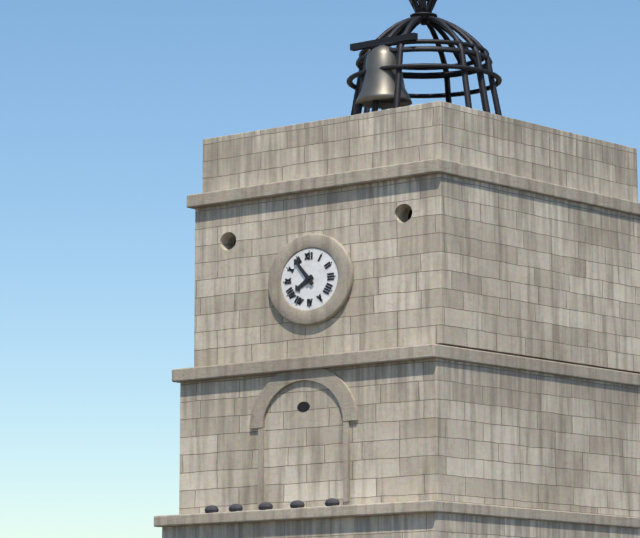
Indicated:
7.54
